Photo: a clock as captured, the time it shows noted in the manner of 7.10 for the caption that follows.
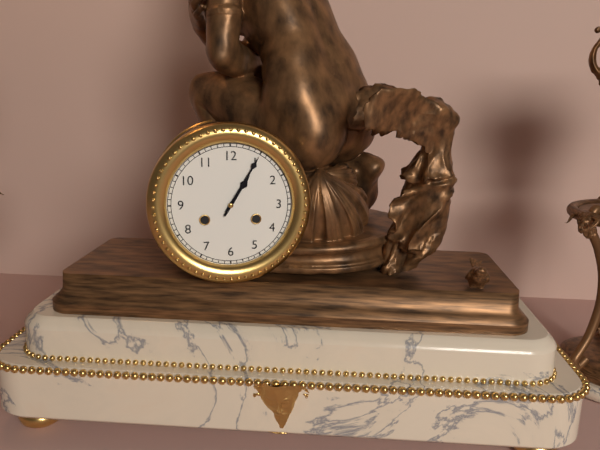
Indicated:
1.05
